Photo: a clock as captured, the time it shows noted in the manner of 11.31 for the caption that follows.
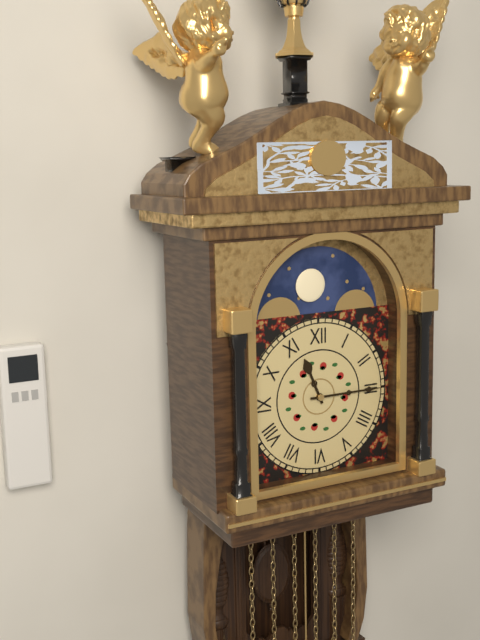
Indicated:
11.15
